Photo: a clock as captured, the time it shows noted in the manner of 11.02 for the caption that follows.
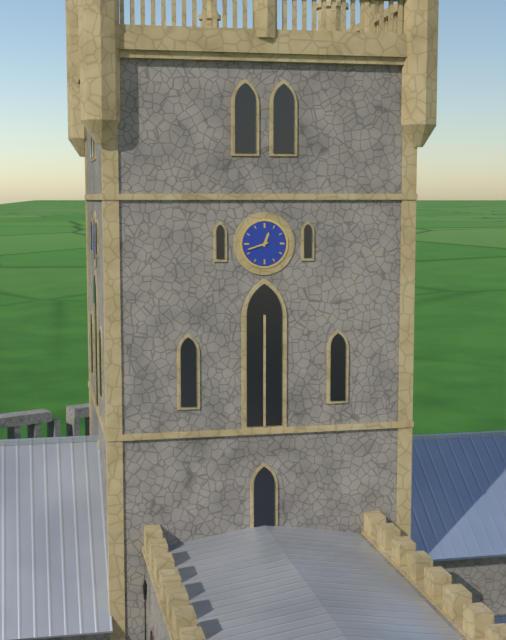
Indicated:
12.42
